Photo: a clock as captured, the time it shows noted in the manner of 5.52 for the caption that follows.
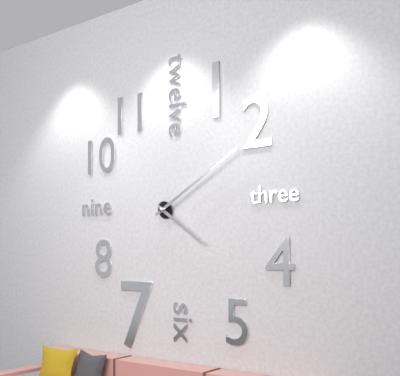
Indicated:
4.10
